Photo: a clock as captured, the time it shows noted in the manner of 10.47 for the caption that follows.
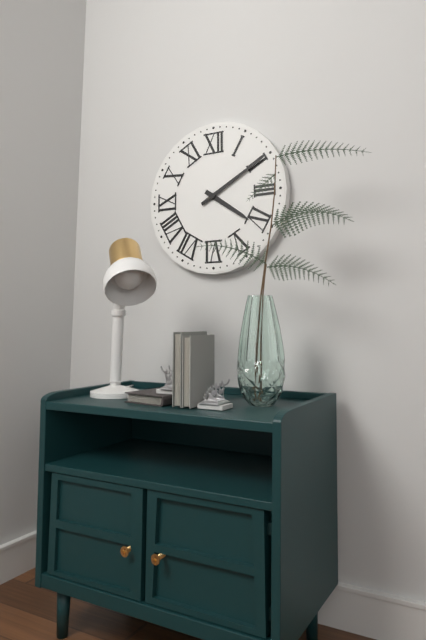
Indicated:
4.10
